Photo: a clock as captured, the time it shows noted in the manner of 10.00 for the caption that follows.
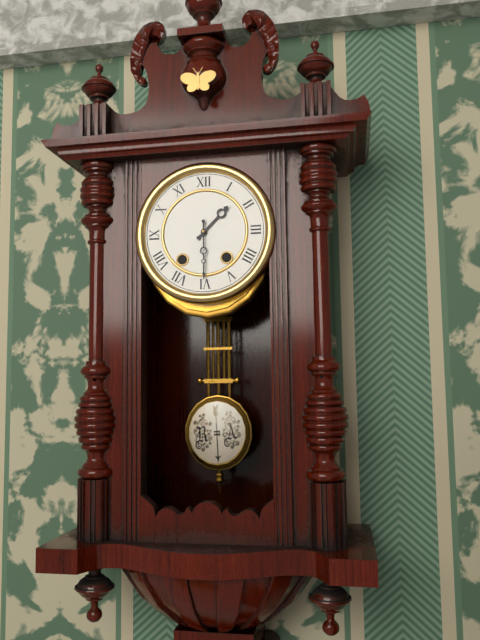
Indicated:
1.30
